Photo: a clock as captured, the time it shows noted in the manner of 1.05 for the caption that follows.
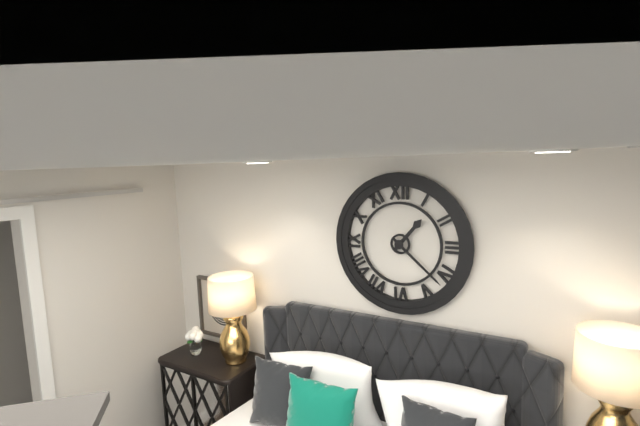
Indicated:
1.22
